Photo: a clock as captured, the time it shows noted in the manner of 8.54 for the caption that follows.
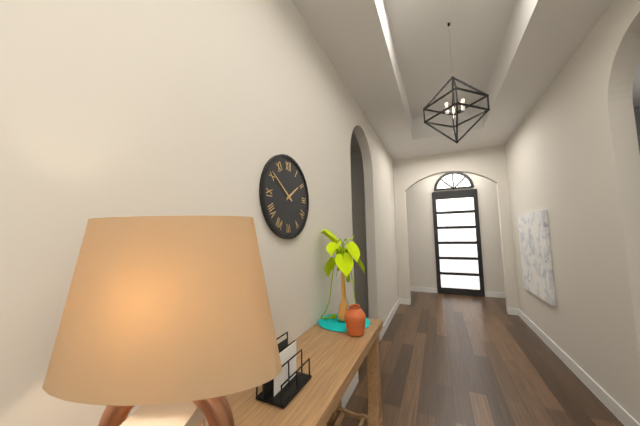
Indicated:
1.51
